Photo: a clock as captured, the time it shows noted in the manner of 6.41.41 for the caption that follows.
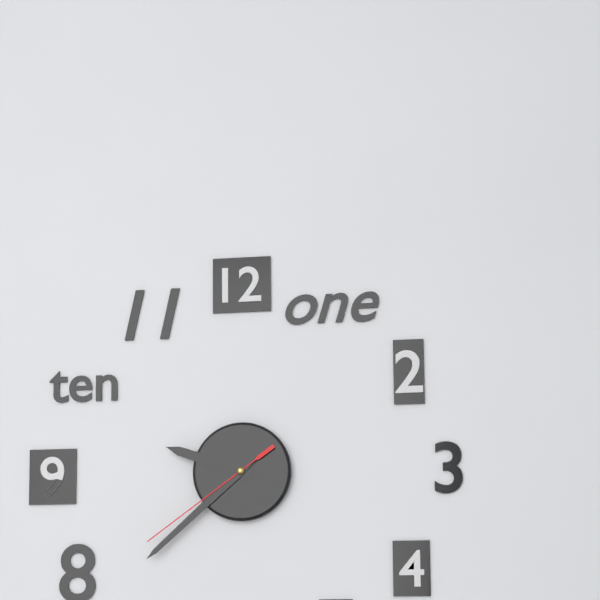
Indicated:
9.38.39
